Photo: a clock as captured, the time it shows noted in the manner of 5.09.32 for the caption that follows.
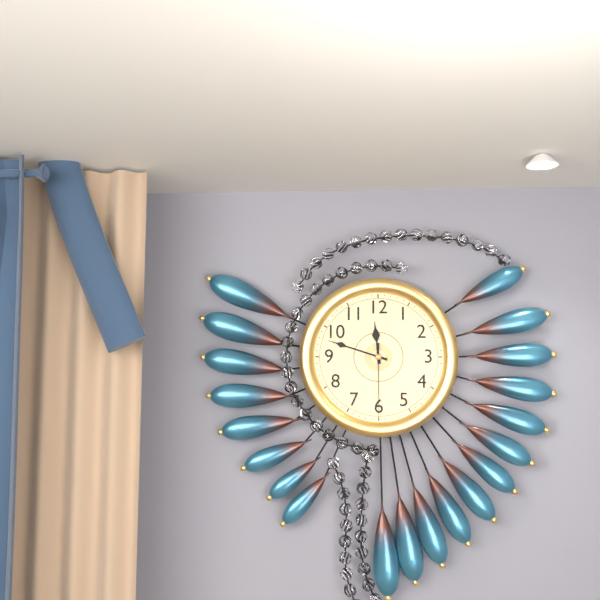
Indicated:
11.48.30
